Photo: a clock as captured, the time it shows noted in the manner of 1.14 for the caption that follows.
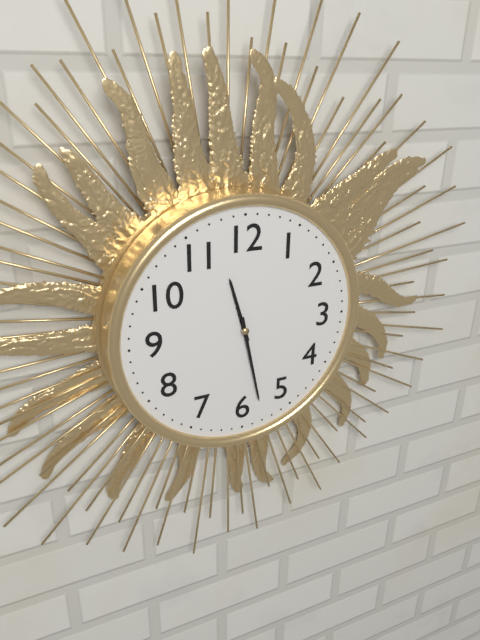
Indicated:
11.28
